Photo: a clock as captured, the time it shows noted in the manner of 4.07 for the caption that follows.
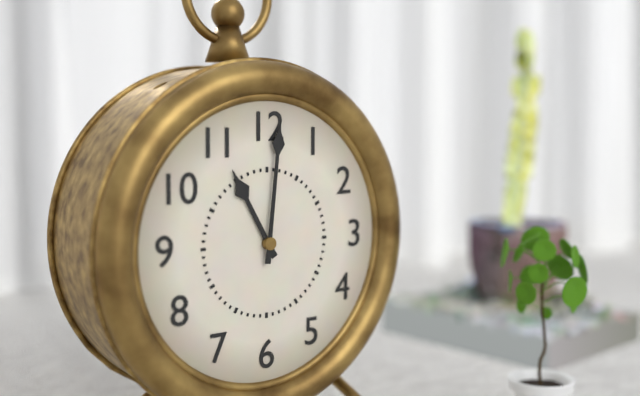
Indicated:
11.01
